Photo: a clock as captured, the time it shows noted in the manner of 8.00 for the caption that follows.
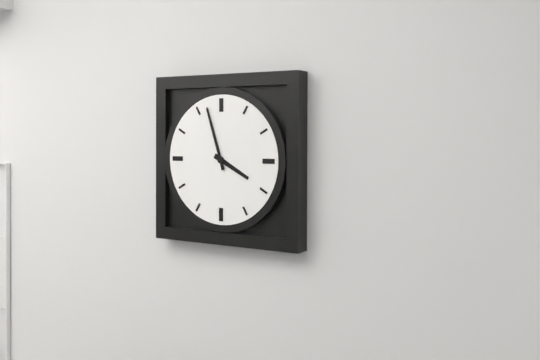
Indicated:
3.57
